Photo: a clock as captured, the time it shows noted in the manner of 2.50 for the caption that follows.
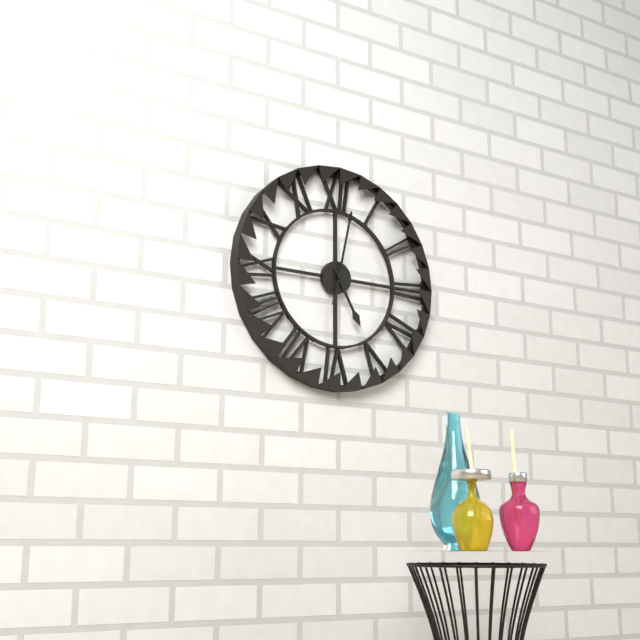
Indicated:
5.02
